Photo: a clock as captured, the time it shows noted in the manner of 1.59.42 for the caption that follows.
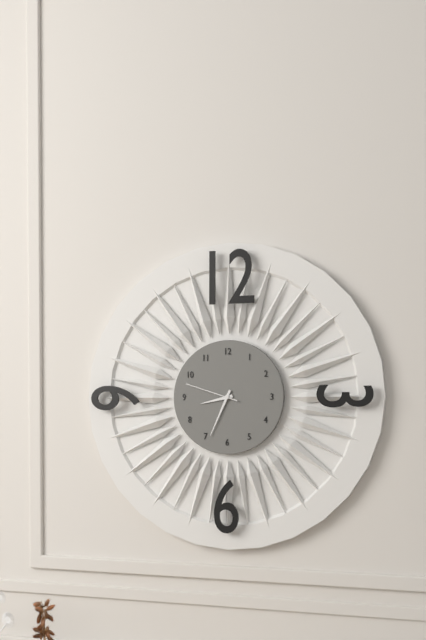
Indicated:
8.34.48
